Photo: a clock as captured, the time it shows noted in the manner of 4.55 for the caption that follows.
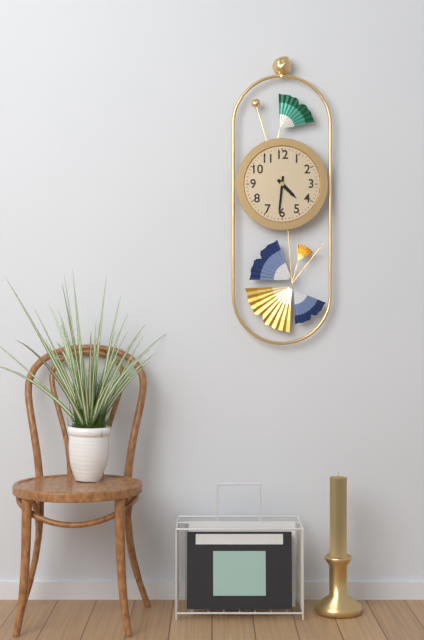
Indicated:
4.31
